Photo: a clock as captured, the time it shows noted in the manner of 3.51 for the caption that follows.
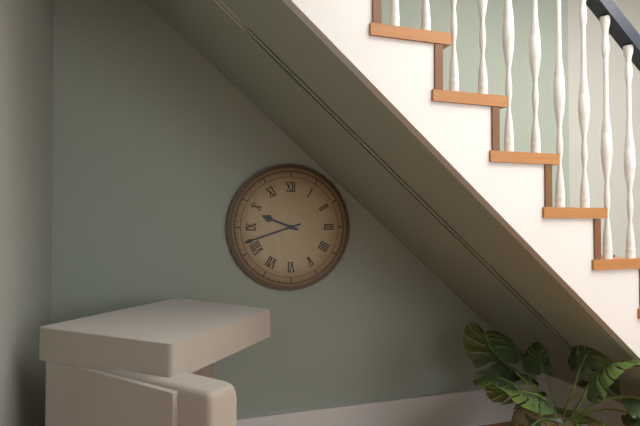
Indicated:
9.42
